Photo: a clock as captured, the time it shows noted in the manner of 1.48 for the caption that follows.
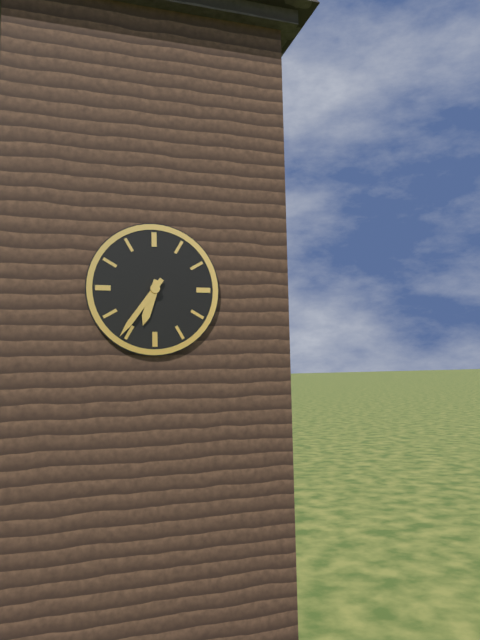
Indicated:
6.36
